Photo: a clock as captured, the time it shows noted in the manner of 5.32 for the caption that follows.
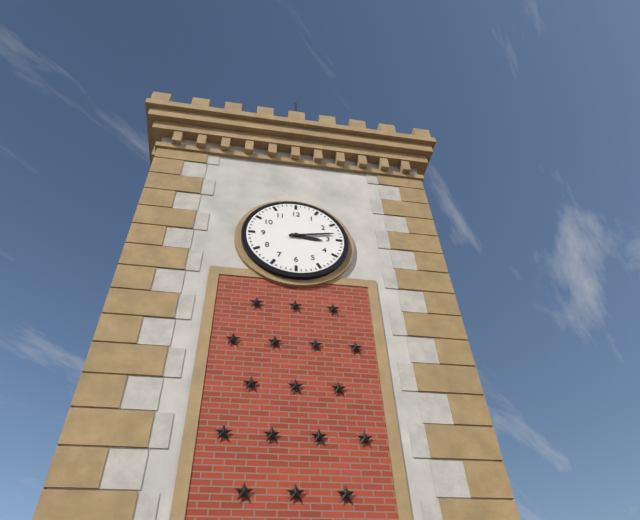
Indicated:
3.13
